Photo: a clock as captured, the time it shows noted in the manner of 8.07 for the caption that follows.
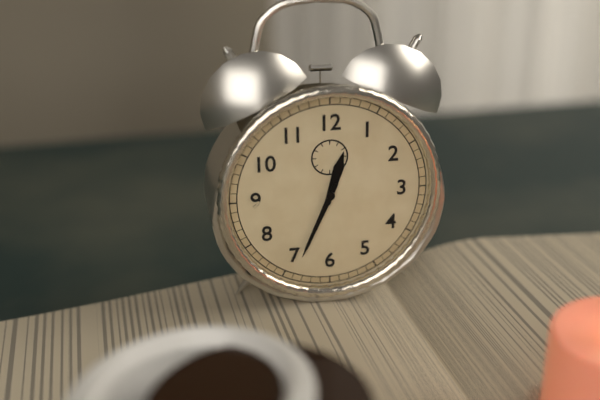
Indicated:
12.34
